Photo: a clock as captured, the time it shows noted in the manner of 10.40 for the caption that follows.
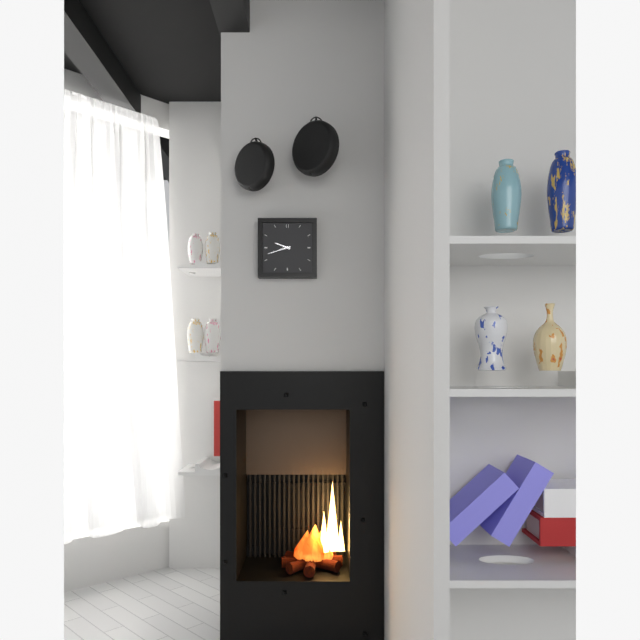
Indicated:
9.42
